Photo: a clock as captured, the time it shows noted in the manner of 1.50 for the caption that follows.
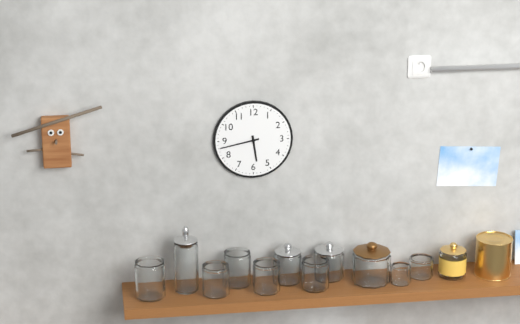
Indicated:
5.43
